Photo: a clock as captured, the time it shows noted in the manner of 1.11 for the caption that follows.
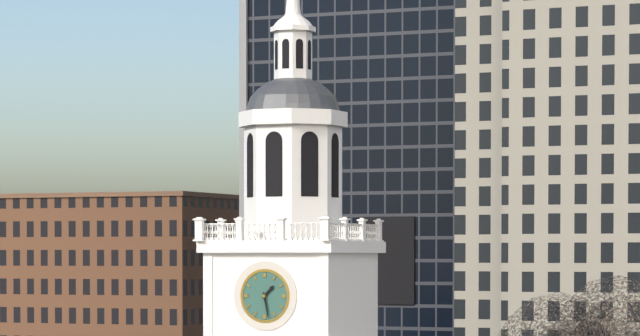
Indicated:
1.28
